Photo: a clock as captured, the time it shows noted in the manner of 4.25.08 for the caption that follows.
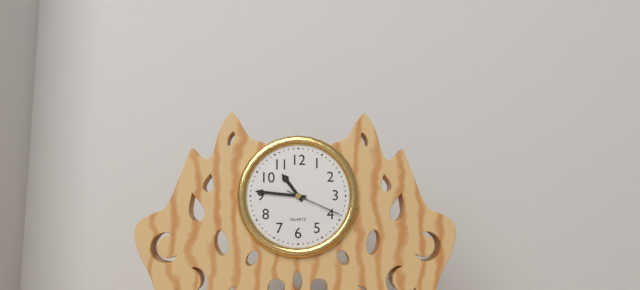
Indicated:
10.46.19
